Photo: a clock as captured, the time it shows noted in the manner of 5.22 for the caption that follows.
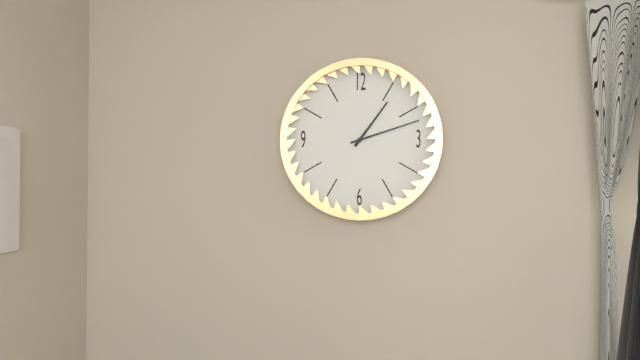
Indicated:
1.12
